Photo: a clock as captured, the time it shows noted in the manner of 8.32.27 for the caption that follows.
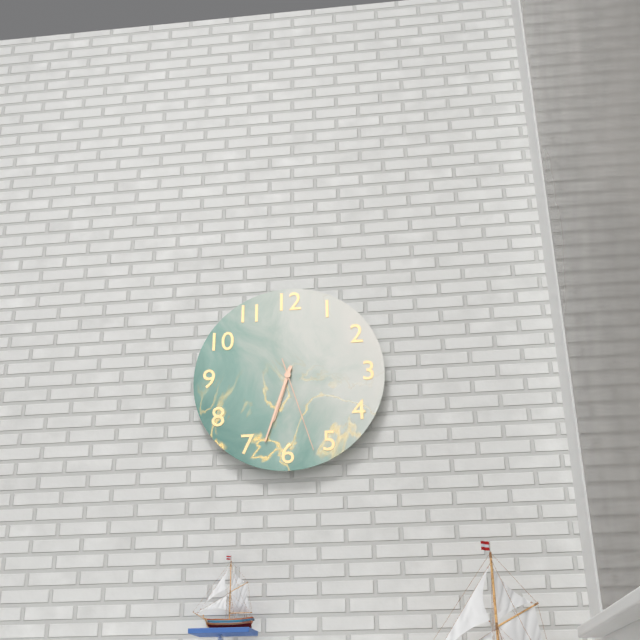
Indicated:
6.33.27
